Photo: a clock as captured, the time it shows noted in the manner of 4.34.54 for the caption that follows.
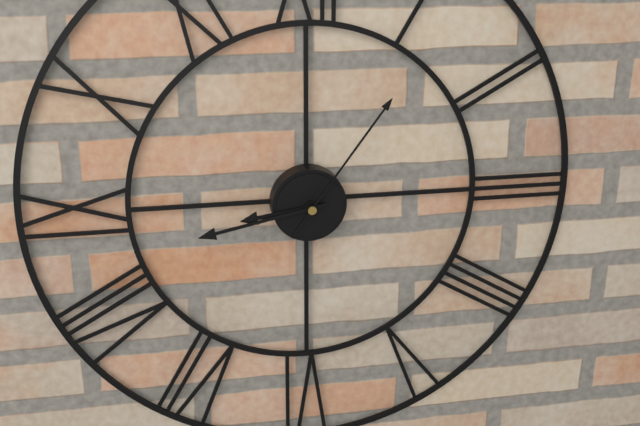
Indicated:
8.43.06
